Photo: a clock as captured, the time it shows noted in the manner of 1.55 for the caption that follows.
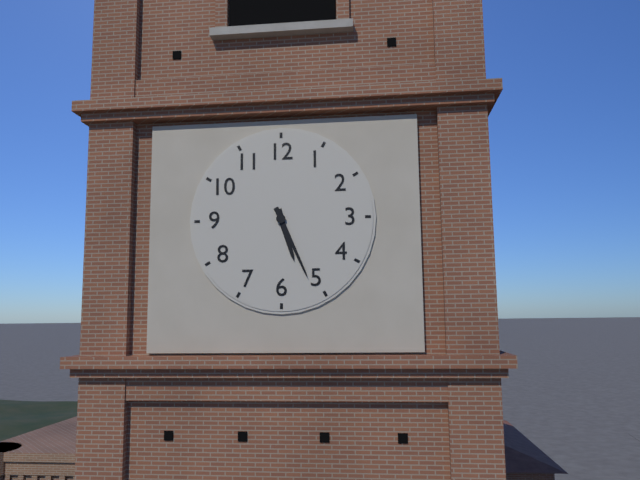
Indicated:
5.26
